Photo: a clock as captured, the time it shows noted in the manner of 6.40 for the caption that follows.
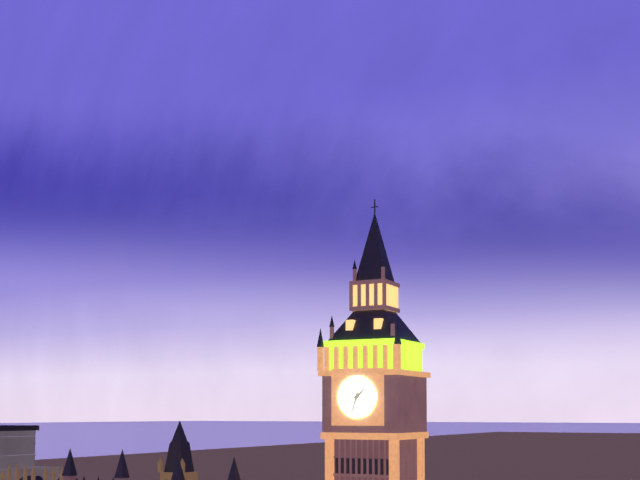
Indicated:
1.33
